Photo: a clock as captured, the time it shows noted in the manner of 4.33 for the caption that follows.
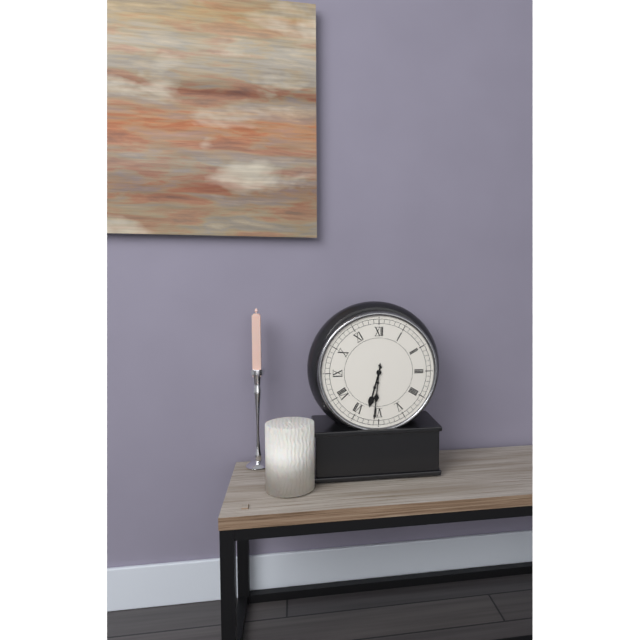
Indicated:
6.31
